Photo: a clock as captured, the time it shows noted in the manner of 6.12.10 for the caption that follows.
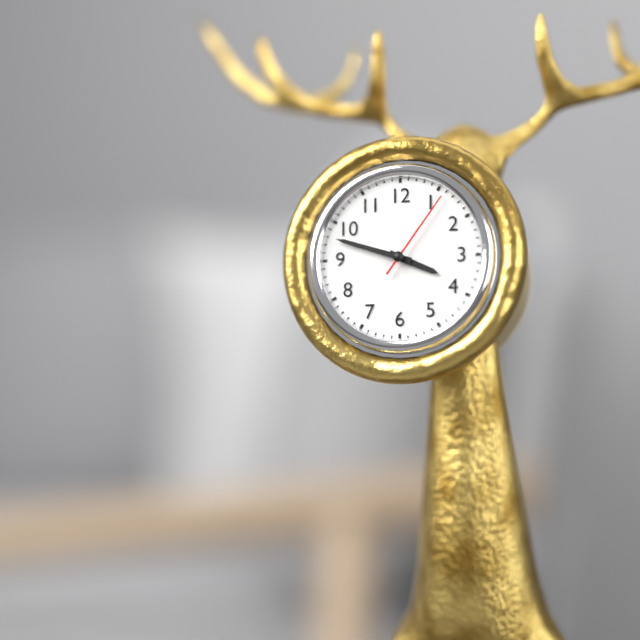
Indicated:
3.48.06
